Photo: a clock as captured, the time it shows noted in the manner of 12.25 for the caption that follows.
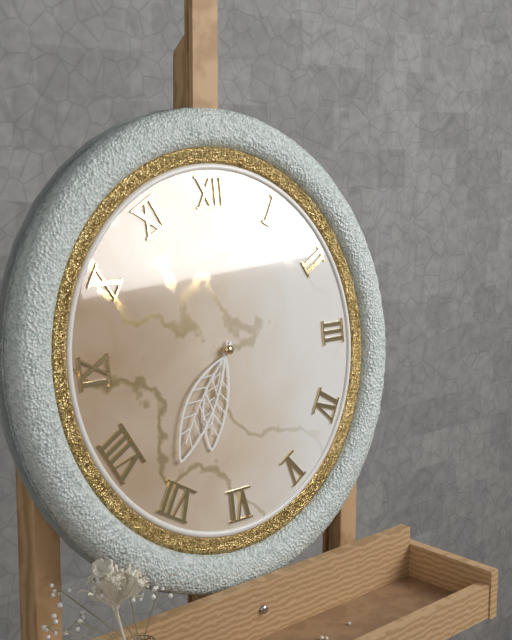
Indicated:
6.36
